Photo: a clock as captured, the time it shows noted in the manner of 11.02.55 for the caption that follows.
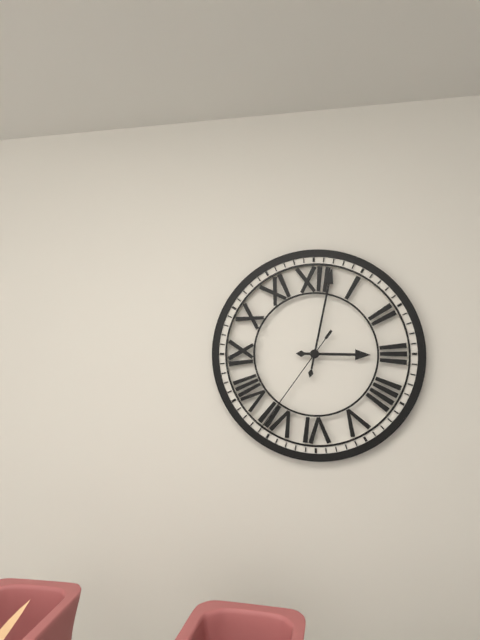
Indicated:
3.02.36
